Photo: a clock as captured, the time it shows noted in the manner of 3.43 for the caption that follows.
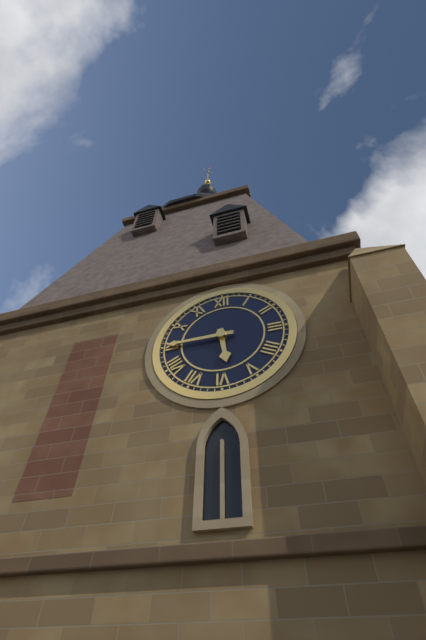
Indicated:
5.45
